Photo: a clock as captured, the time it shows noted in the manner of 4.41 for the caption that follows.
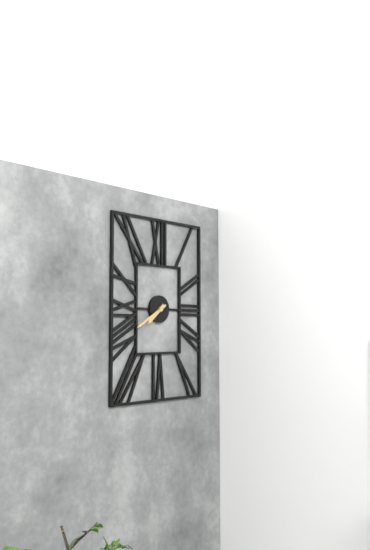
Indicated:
7.40
